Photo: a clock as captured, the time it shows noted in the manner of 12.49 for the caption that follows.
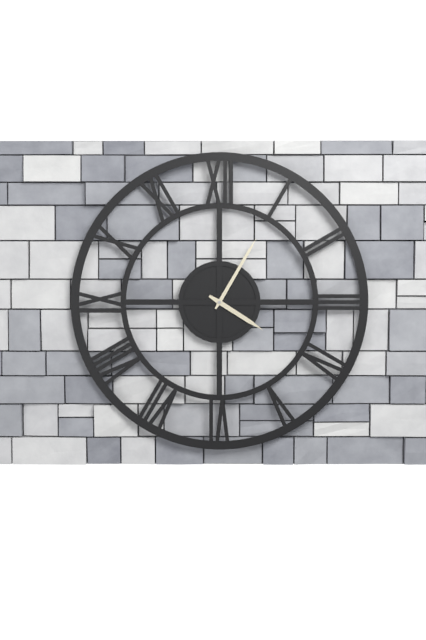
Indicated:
4.05
